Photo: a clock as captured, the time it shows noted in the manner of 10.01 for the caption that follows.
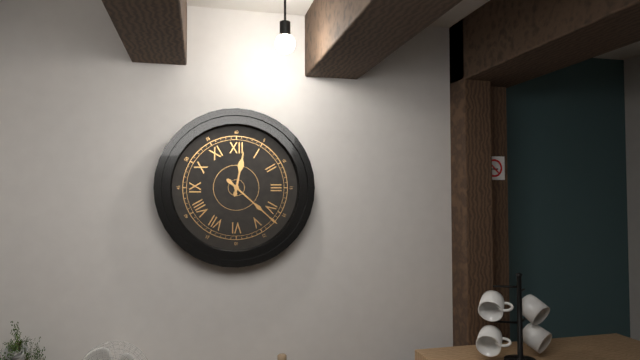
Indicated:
12.22
